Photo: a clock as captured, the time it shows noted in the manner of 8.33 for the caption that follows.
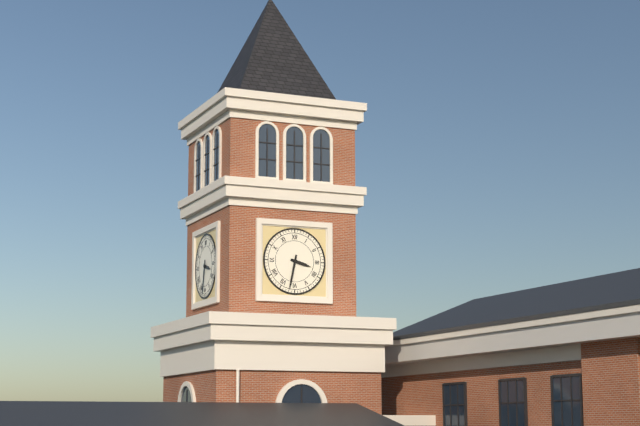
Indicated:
3.32
